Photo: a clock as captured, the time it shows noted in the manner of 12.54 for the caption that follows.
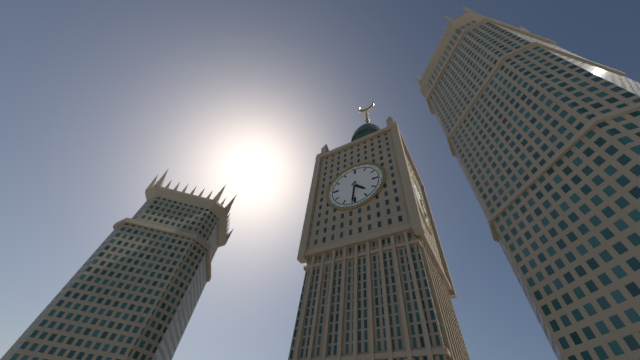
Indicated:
4.31
